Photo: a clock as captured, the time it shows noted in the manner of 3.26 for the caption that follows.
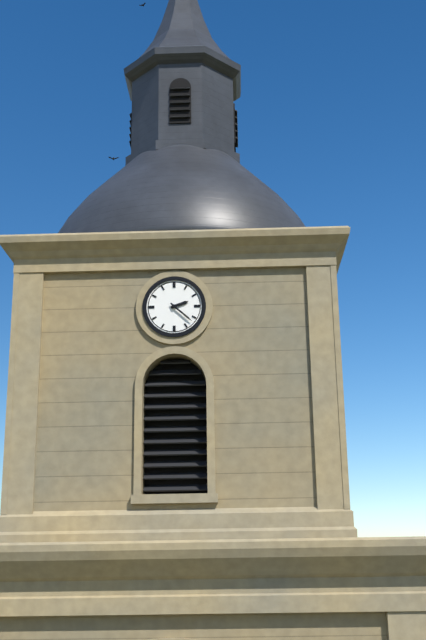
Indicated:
2.22
